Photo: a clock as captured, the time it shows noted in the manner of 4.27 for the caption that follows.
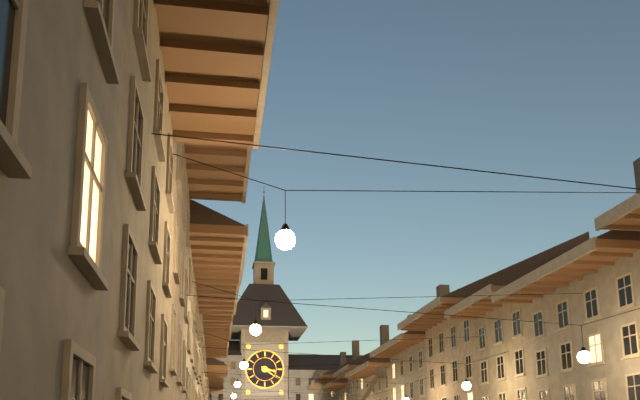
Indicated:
3.21
